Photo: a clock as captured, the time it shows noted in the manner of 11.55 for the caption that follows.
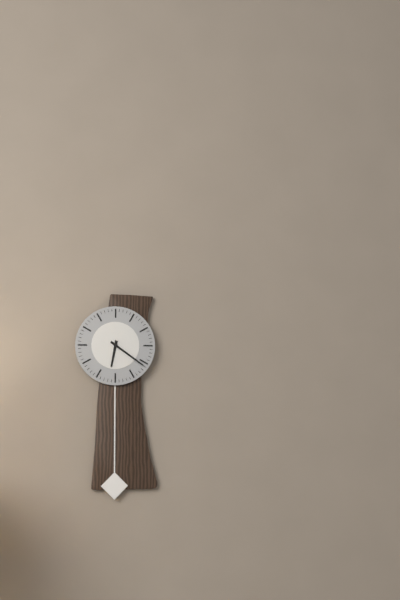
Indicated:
6.21
